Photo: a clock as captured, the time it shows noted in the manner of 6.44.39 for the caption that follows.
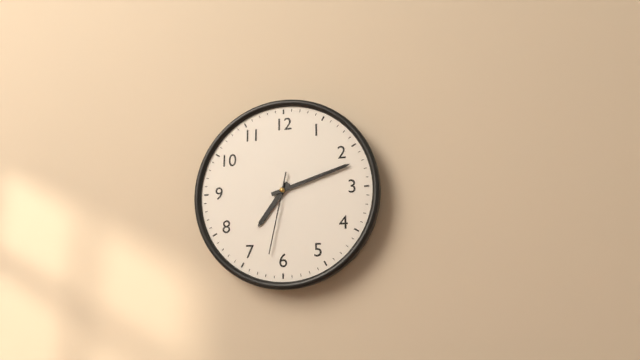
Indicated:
7.12.32
